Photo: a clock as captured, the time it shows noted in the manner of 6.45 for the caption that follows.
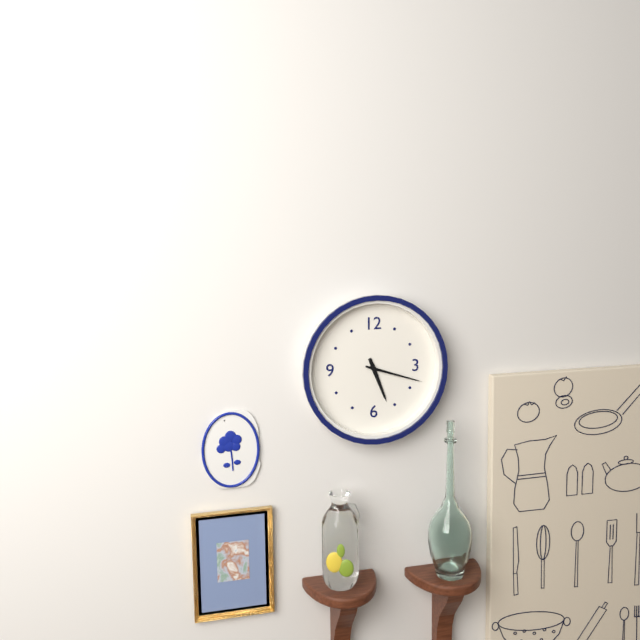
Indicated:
5.18
